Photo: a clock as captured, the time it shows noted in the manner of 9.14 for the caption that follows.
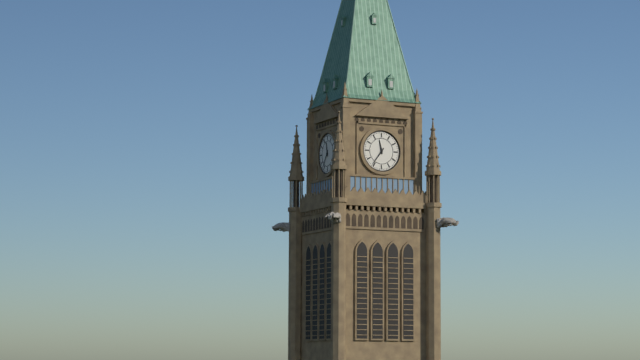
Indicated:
11.36
